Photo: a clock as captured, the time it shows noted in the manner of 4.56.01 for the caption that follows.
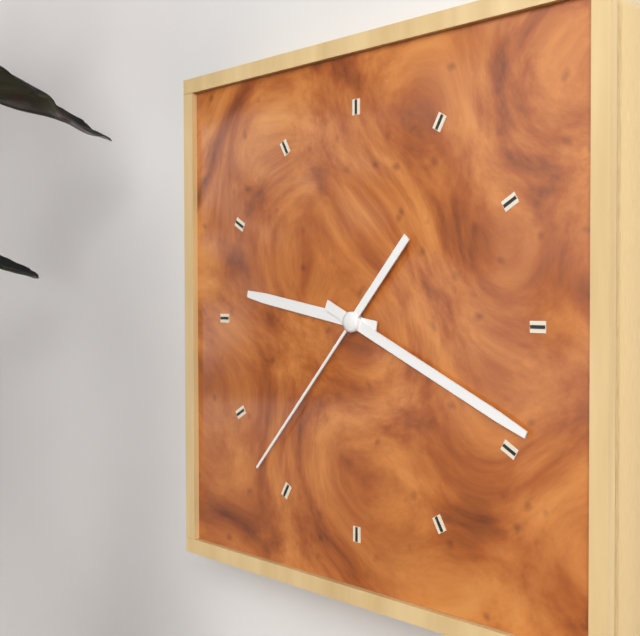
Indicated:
9.19.37
